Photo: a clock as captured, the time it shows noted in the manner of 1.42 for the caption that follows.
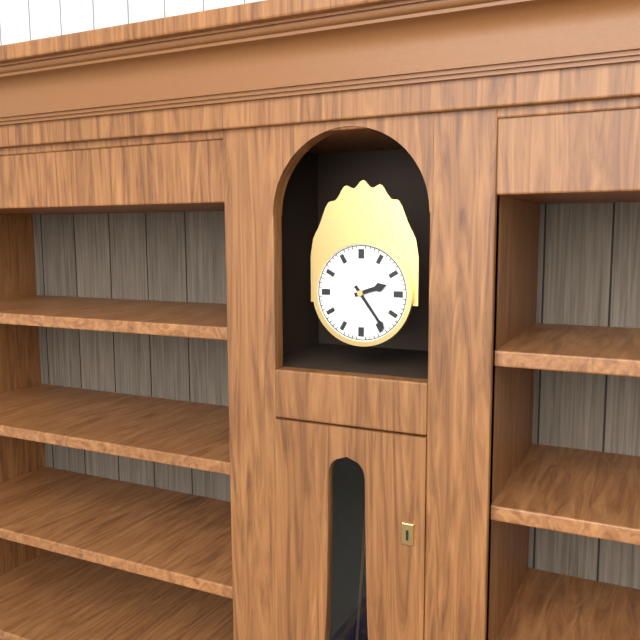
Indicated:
2.24
